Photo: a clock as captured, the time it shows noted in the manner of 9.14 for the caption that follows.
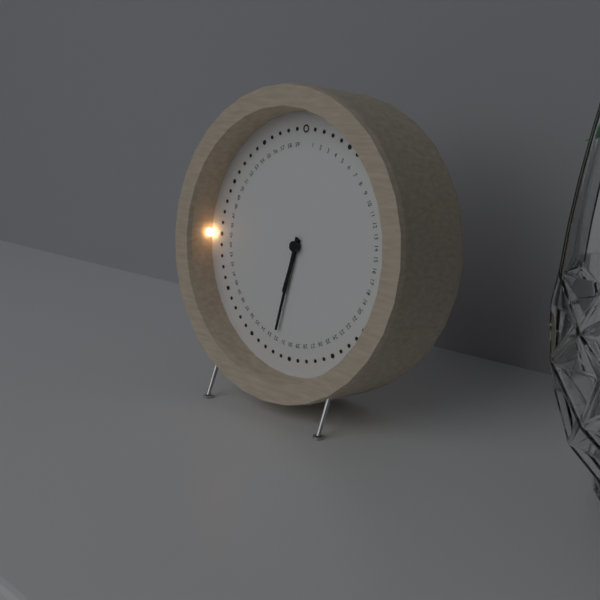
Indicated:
6.32
